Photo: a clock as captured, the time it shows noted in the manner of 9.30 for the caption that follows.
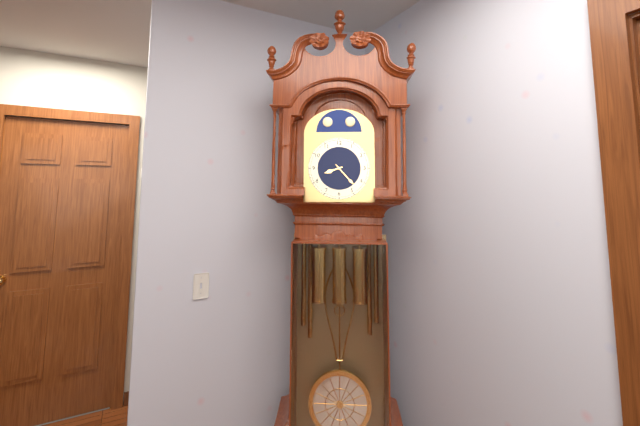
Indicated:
8.23
